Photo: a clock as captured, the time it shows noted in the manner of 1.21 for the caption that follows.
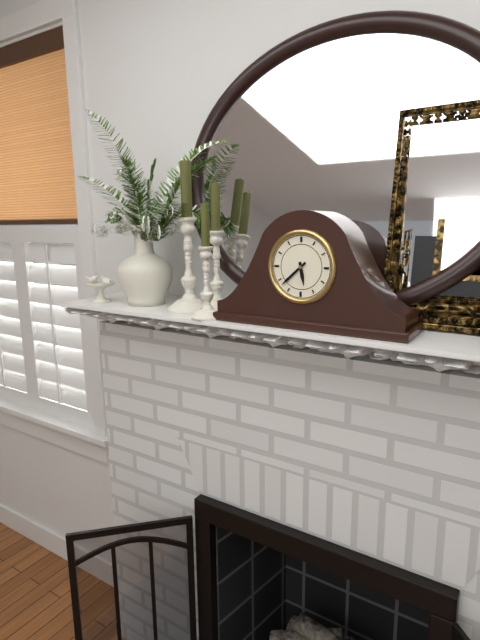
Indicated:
5.38
